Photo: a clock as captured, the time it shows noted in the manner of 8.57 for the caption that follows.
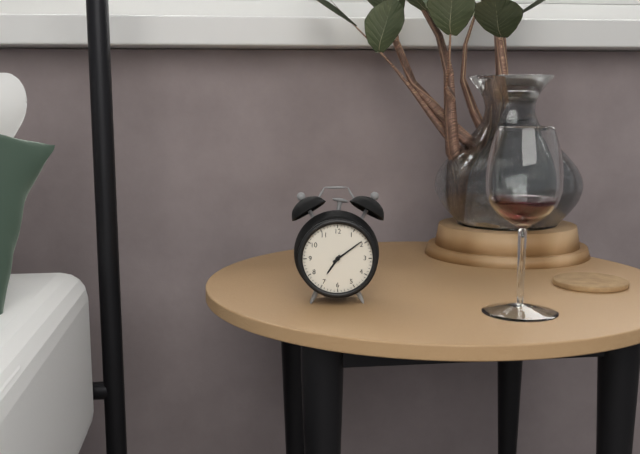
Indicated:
7.09
